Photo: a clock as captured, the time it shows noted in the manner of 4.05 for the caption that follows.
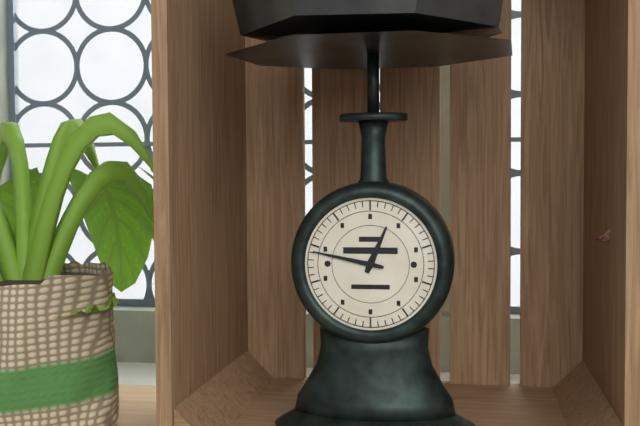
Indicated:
12.47
